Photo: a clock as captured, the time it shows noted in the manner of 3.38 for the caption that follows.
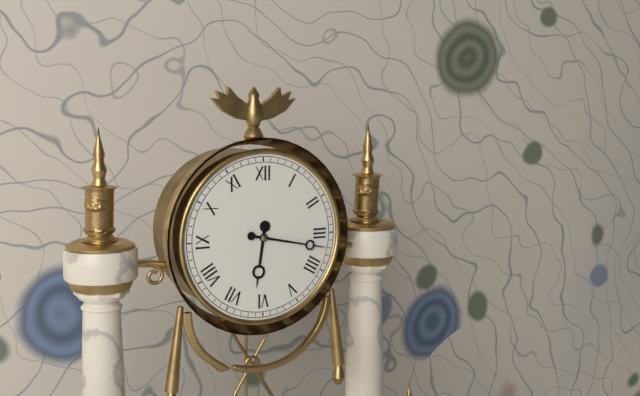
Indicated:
6.17
